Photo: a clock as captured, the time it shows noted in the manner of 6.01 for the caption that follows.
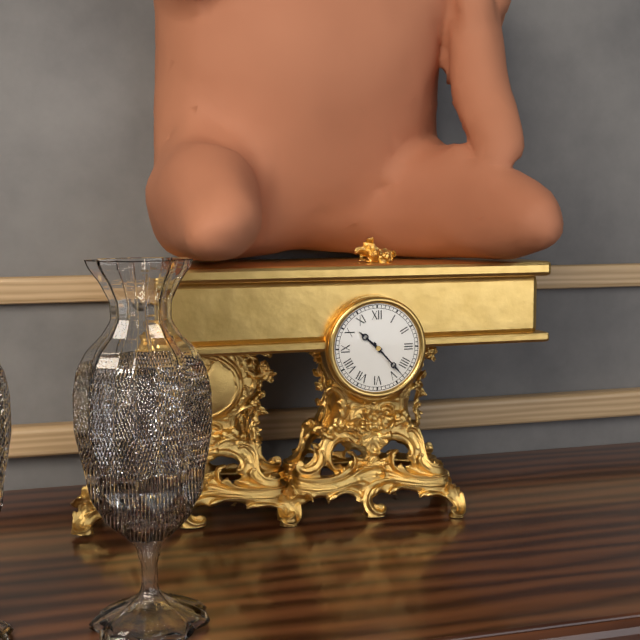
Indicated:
10.23
